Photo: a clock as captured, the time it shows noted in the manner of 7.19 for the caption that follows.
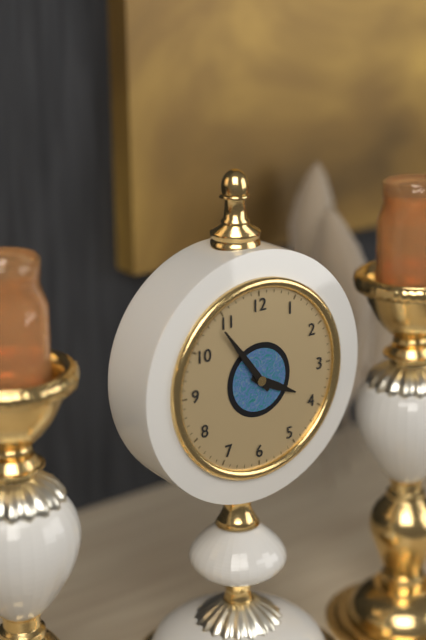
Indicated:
3.54
